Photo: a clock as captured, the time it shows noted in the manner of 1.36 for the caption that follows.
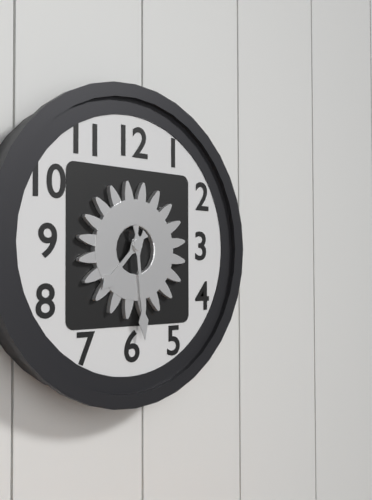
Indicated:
7.29
